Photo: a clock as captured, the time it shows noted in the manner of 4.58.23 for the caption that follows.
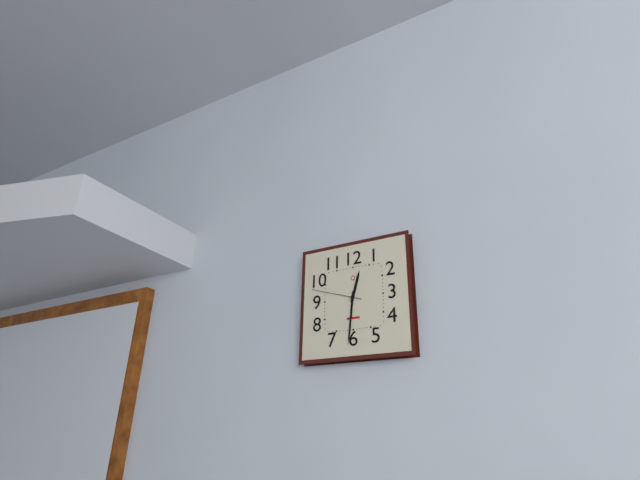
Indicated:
12.31.48
